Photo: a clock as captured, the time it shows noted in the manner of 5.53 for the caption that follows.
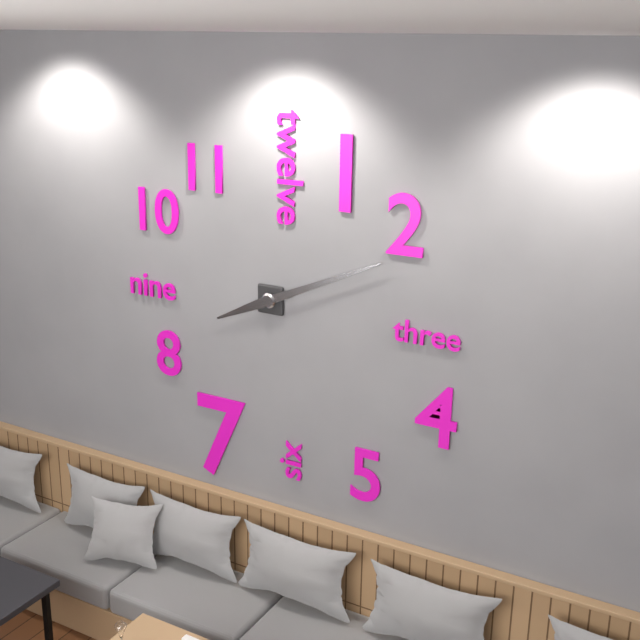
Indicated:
8.11
